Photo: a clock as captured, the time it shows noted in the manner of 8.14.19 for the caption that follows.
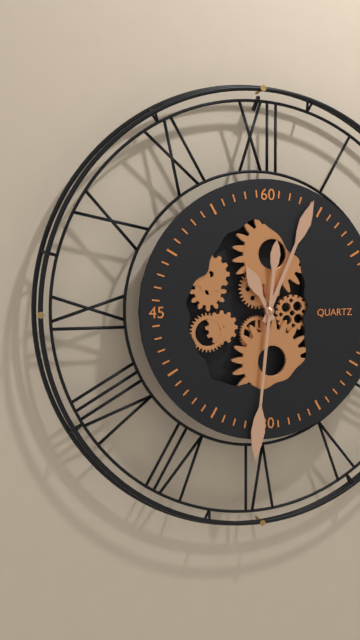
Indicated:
11.04.31
